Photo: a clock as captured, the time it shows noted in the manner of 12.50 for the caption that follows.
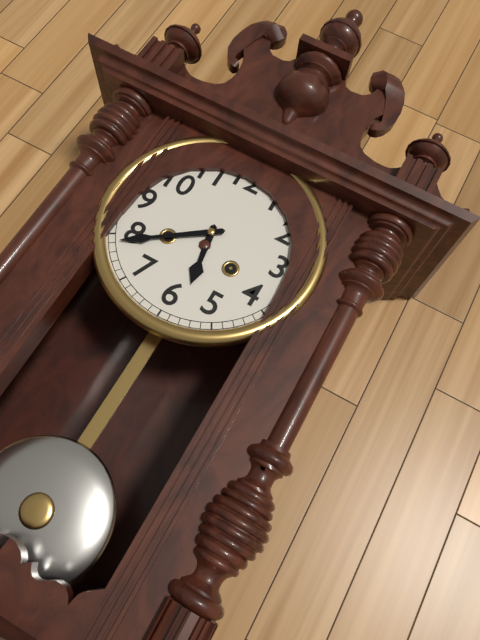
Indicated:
5.39
